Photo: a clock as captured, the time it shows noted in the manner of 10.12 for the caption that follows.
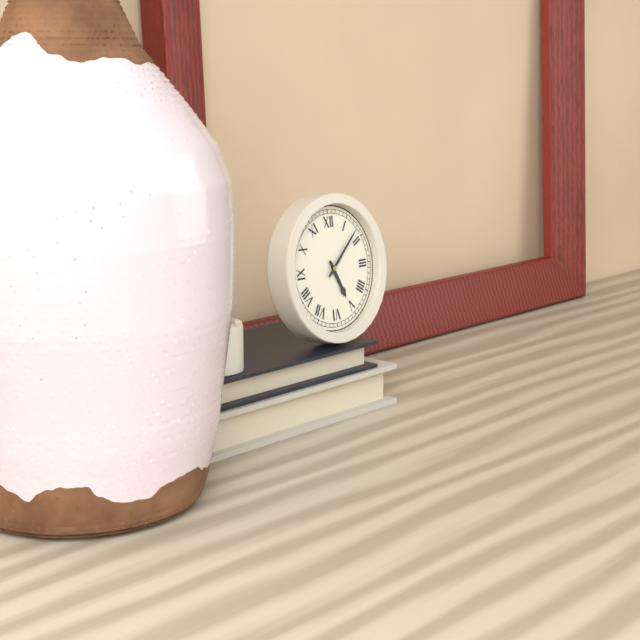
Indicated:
5.08
